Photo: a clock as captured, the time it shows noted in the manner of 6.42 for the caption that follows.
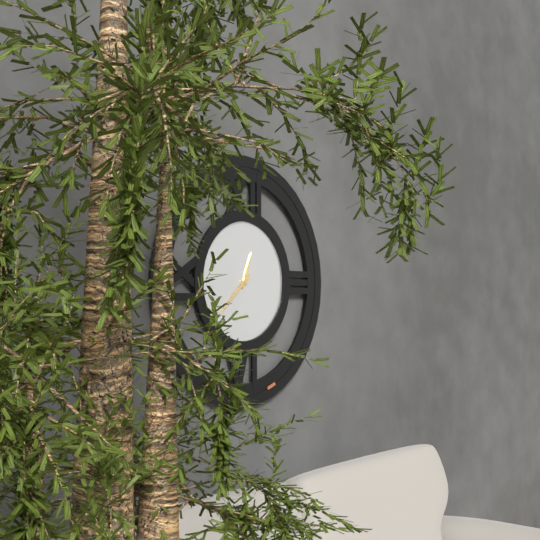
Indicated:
12.38
